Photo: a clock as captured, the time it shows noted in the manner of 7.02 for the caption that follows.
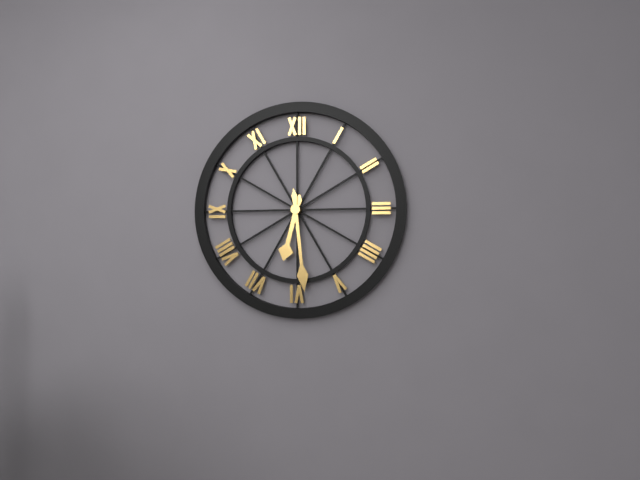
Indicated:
6.29
